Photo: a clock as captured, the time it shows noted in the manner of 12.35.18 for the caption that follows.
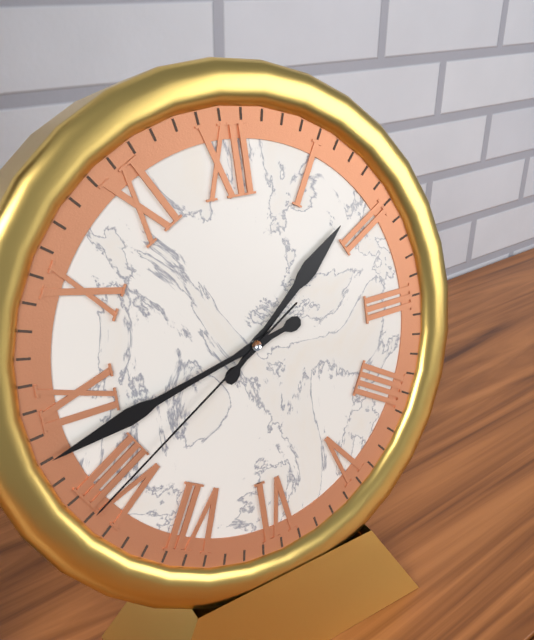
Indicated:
1.43.40
